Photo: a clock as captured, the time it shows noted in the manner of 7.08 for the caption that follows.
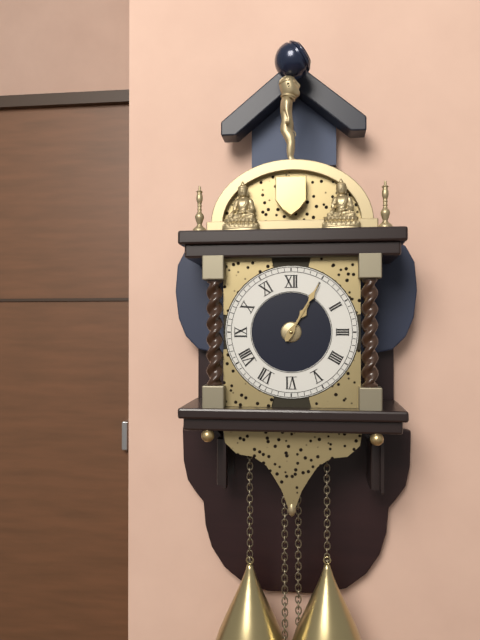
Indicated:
1.05
